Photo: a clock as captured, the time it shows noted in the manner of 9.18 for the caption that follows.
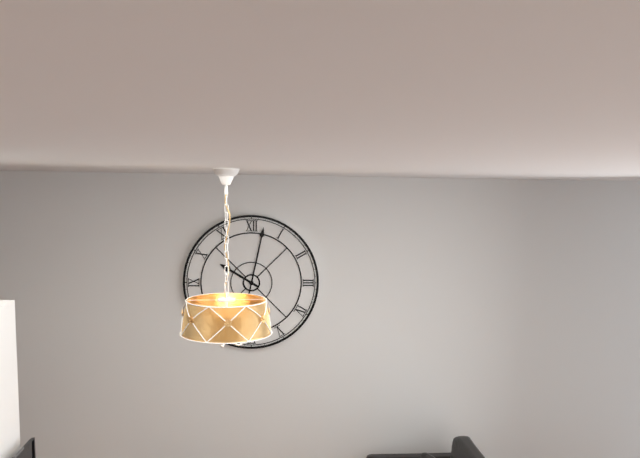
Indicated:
10.02
